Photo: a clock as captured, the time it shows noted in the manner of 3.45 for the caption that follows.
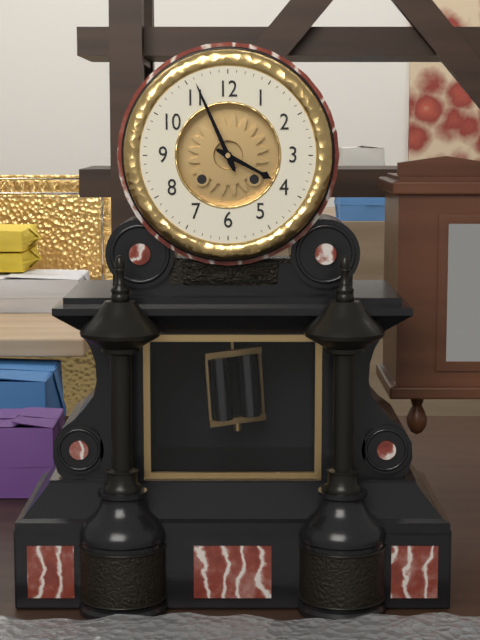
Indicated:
3.56
